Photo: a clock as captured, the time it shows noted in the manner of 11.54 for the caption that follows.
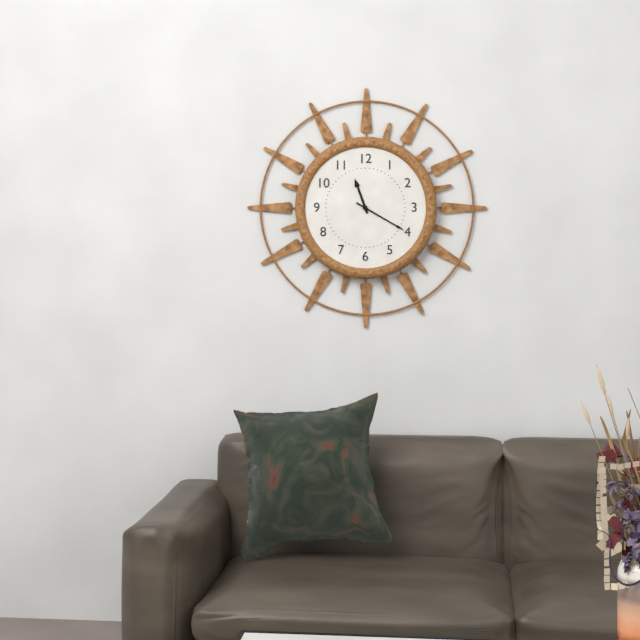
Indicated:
11.20
